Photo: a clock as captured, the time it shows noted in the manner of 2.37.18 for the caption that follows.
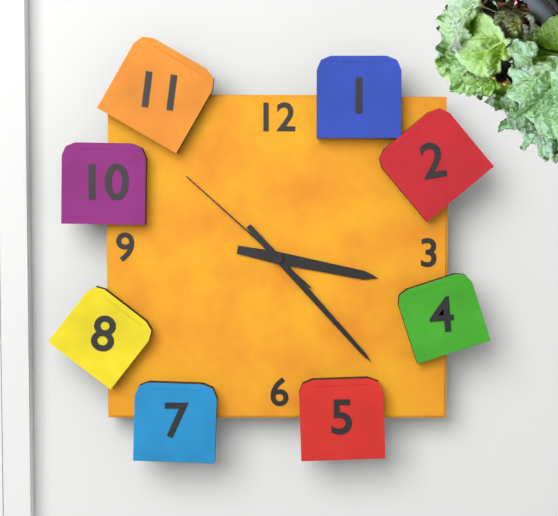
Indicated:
3.23.52
